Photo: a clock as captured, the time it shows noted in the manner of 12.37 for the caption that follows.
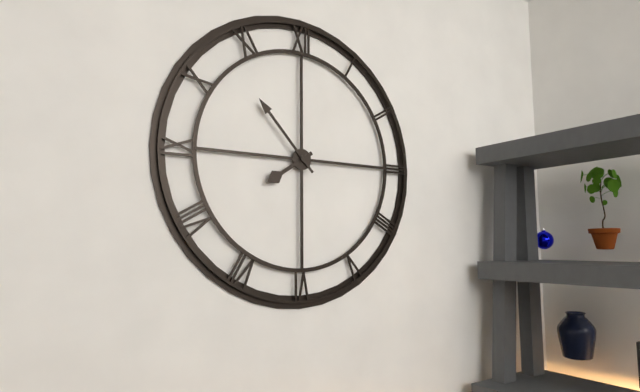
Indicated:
7.53
